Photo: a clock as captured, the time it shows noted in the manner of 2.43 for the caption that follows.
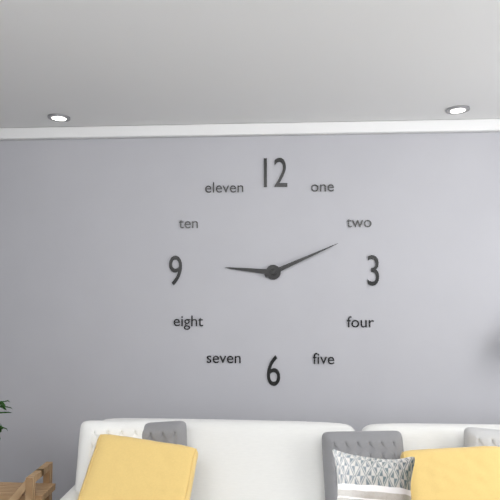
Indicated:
9.11
